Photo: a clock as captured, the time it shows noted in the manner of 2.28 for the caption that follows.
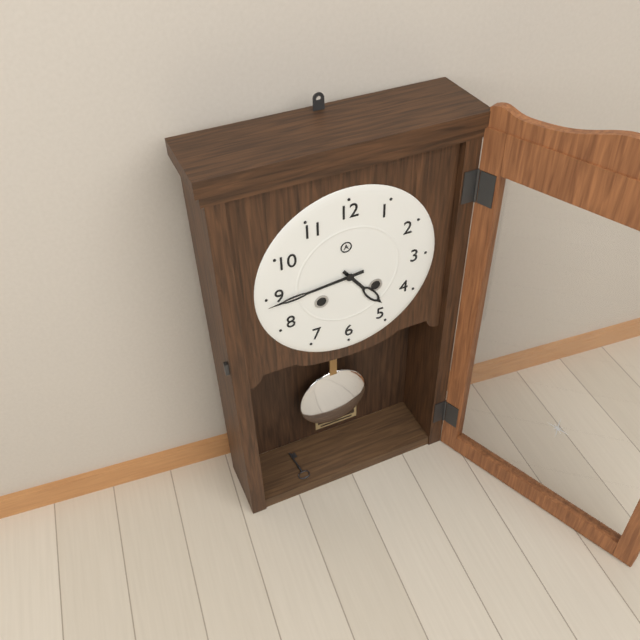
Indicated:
4.44
